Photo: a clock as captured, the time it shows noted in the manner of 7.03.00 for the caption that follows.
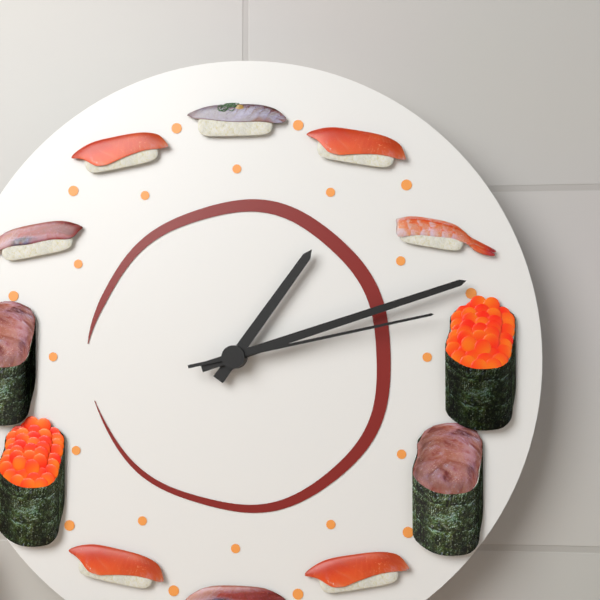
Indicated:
1.12.13
